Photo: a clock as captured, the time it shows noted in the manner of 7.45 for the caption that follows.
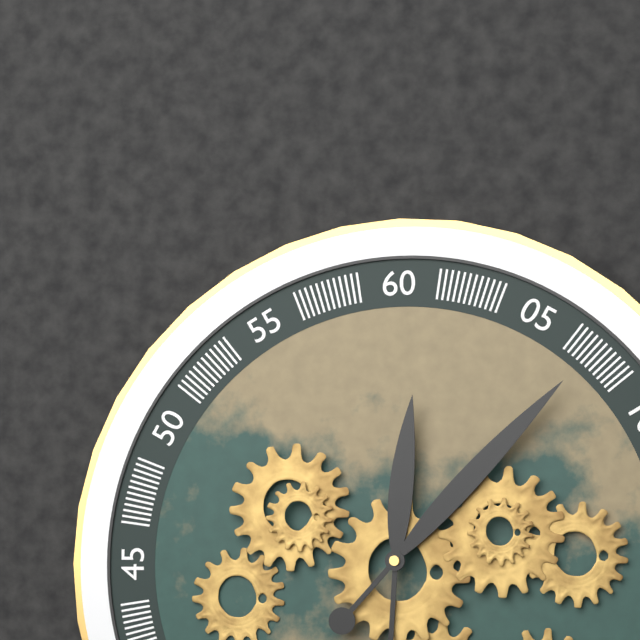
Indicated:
12.07
